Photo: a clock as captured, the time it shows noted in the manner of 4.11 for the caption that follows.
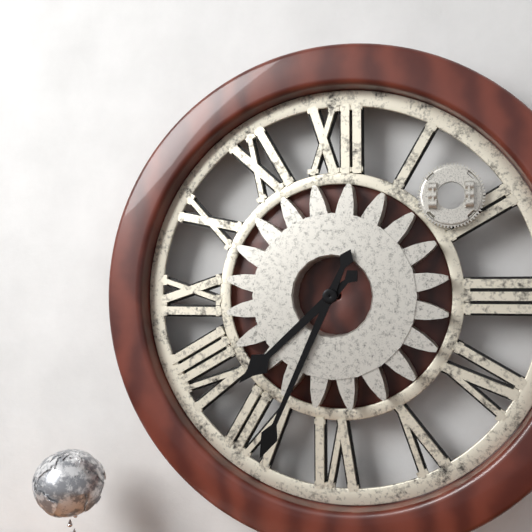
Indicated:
7.34
